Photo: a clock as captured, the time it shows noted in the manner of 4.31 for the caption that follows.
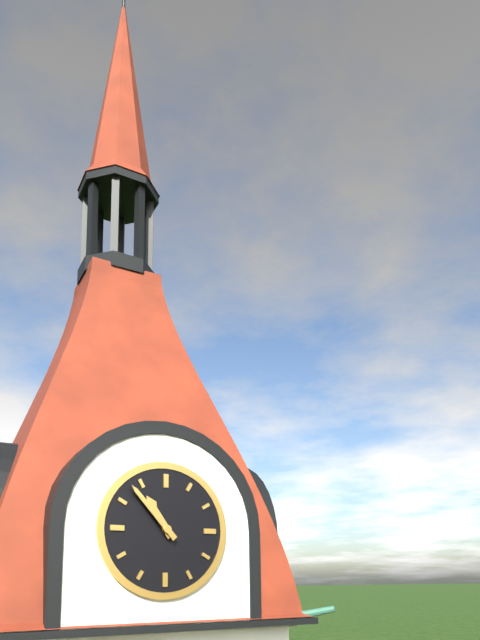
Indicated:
10.53
